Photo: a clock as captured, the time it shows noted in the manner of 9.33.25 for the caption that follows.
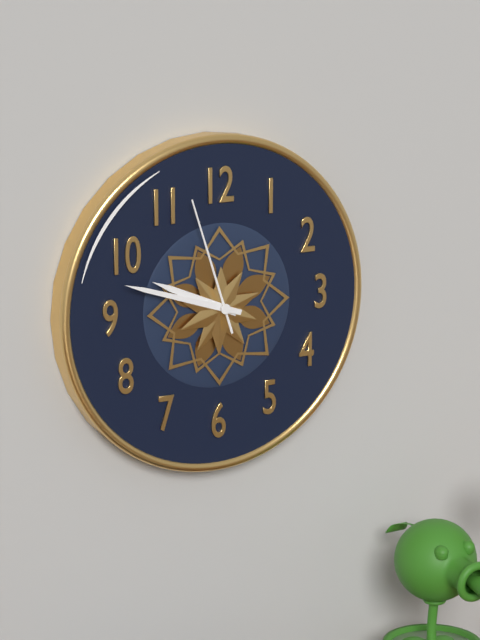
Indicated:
9.48.57
